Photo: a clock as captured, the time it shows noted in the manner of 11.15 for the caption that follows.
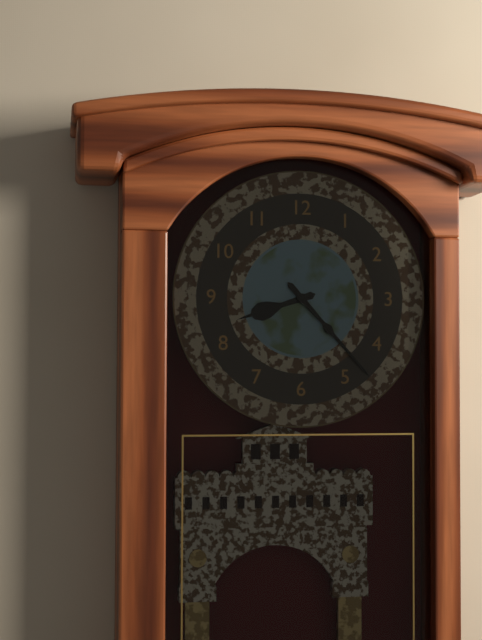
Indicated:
8.23
